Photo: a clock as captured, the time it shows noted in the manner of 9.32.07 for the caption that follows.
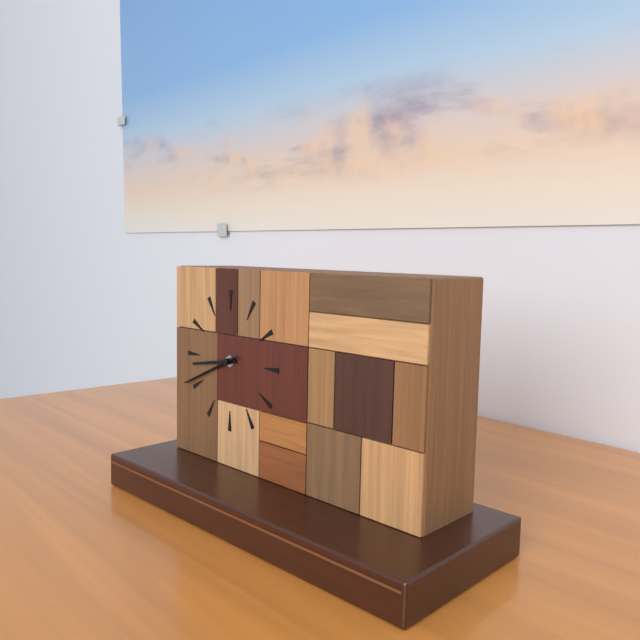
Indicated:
8.41.41
